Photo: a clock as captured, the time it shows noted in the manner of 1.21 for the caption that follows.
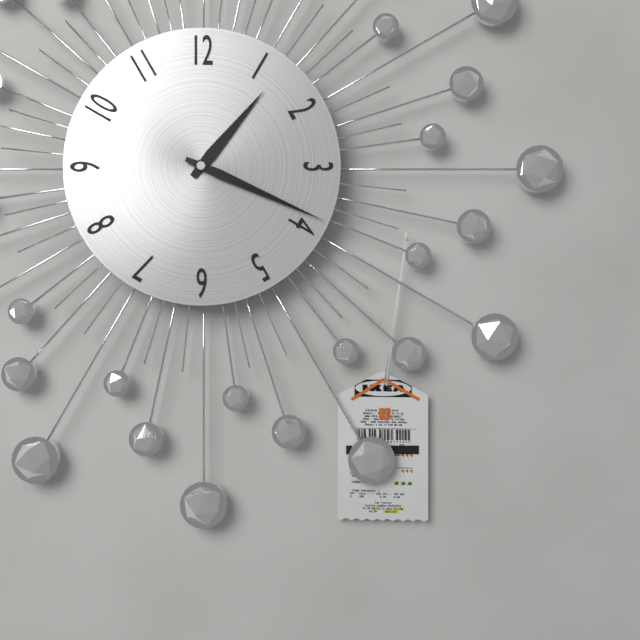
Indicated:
1.19
